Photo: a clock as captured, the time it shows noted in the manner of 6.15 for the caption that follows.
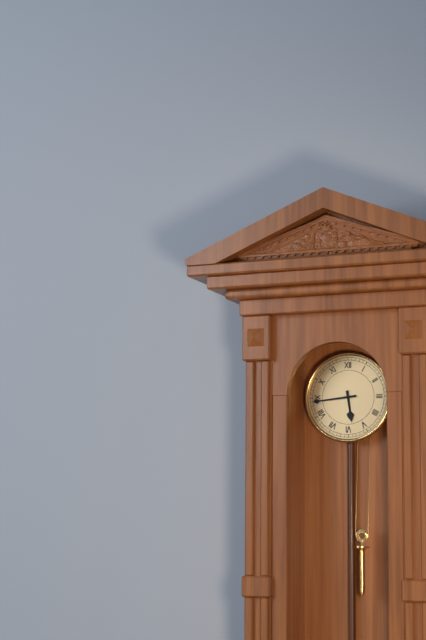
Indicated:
5.44
